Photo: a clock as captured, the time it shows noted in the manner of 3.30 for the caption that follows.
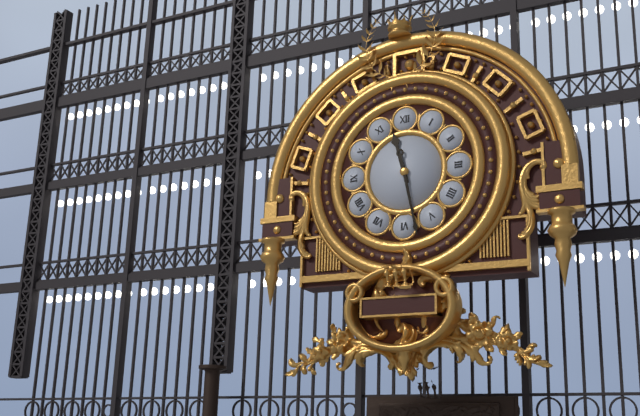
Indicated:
11.28
